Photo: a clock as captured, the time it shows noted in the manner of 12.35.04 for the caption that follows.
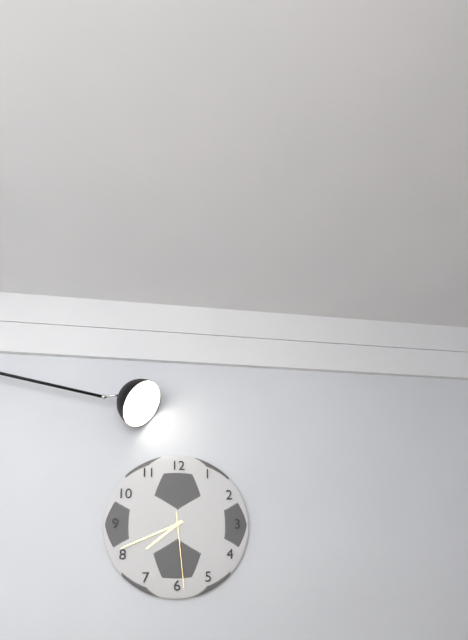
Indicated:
7.41.29
